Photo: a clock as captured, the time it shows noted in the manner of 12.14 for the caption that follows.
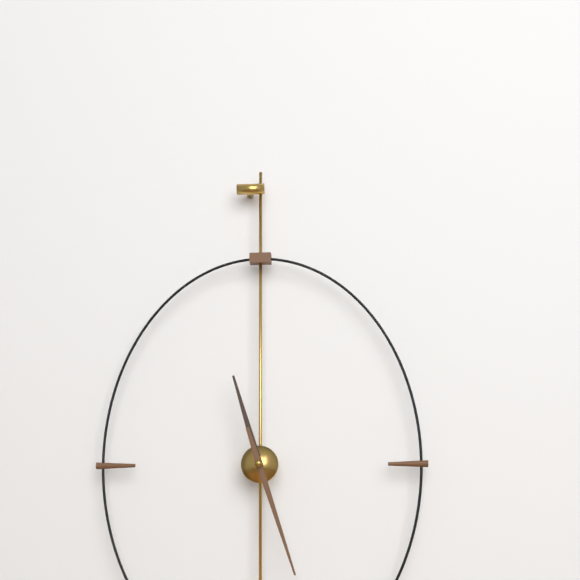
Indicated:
11.27
